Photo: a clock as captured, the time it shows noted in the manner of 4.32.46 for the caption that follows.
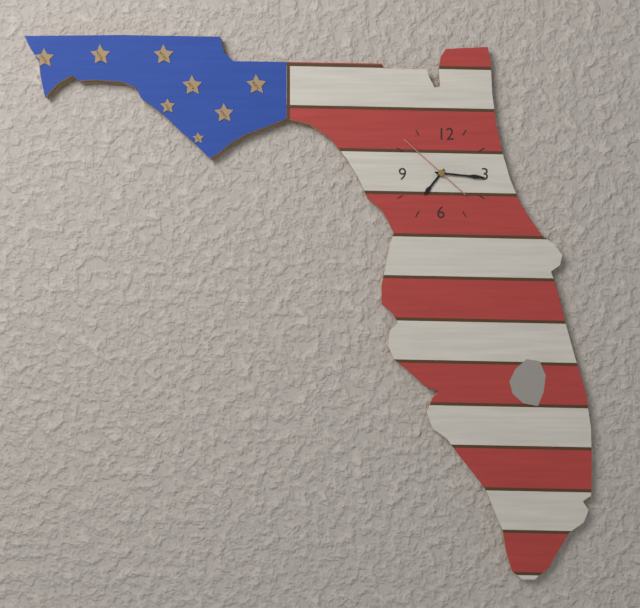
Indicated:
7.16.52
